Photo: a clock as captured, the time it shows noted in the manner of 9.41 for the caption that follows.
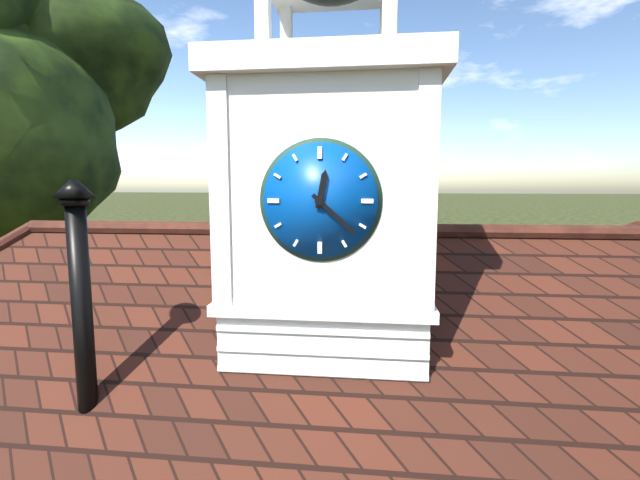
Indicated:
12.22
